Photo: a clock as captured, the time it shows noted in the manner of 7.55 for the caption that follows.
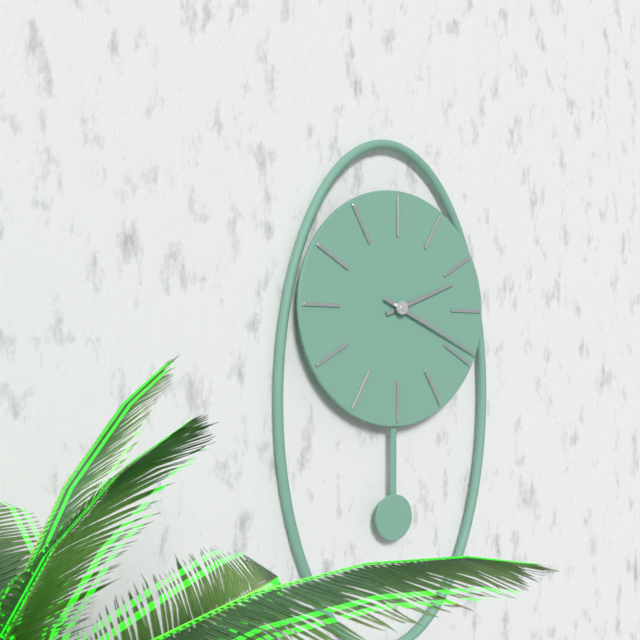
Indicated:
2.19
